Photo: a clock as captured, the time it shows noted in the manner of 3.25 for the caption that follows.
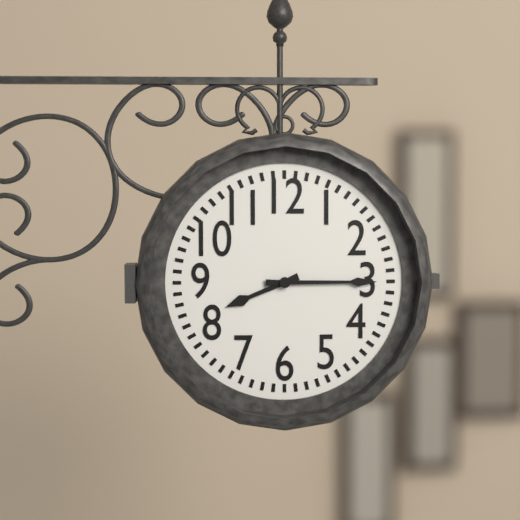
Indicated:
8.15
